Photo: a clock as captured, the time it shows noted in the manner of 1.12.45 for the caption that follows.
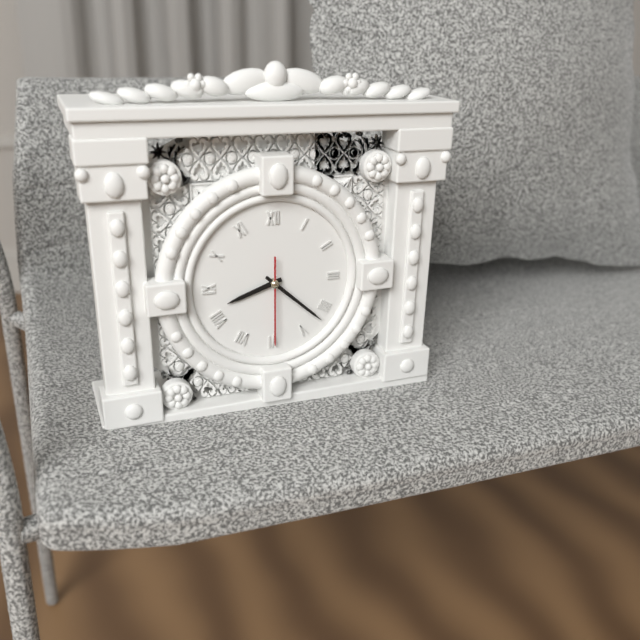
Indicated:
8.22.30
